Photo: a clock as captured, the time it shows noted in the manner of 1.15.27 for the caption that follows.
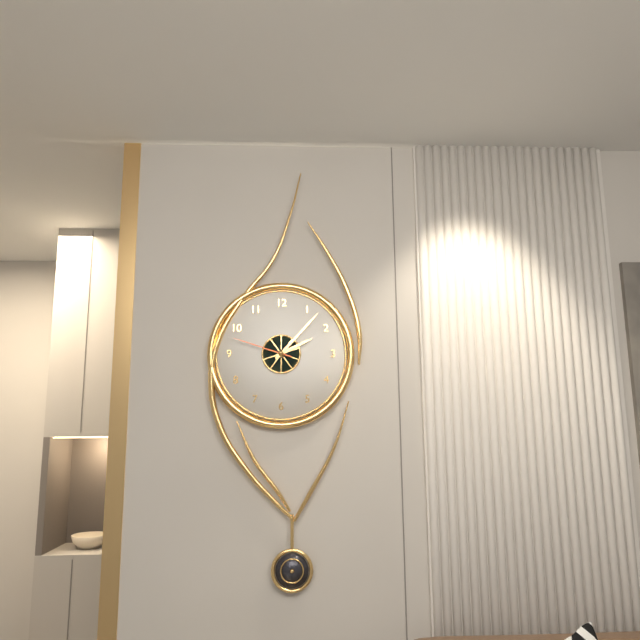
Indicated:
2.07.48
